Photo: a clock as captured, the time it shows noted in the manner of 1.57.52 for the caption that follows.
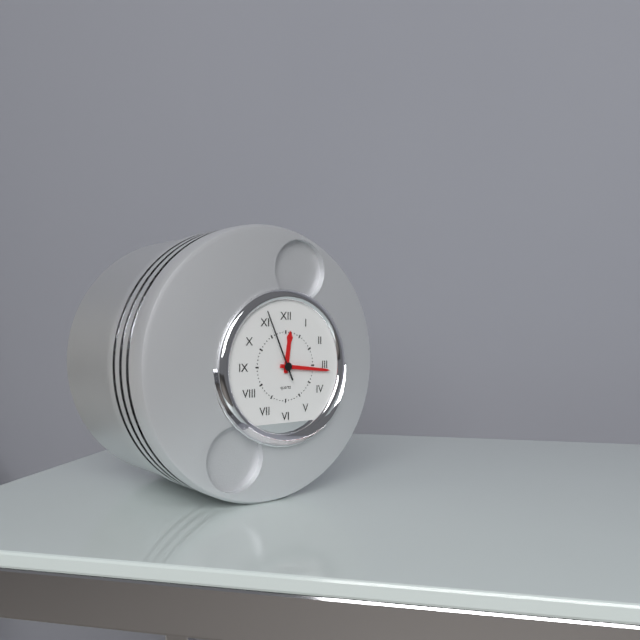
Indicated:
12.16.56
